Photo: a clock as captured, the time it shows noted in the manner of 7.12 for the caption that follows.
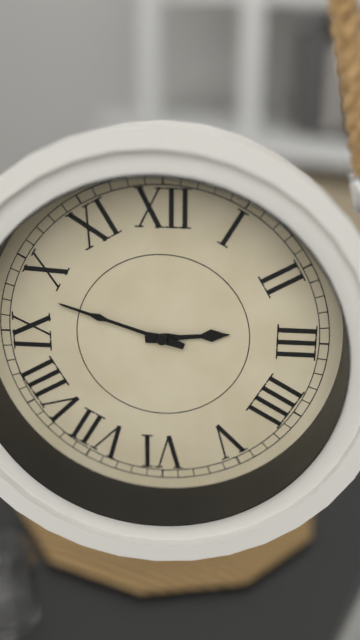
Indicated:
2.48
